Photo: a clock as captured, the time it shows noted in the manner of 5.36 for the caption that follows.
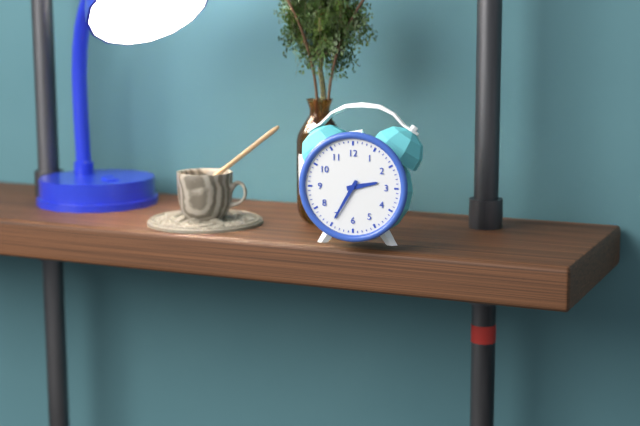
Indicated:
2.35
